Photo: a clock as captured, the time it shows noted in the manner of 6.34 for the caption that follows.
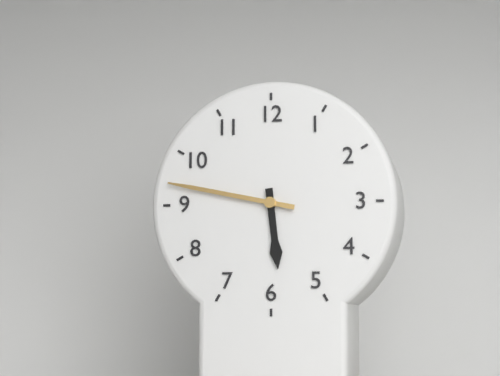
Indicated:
5.47
